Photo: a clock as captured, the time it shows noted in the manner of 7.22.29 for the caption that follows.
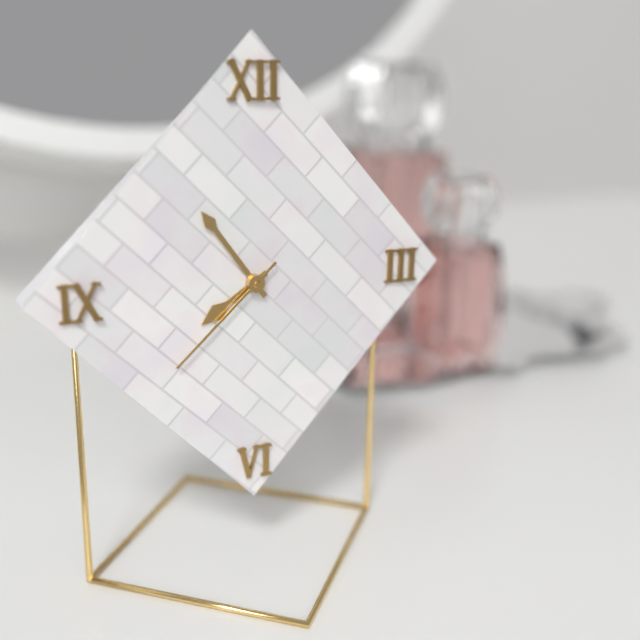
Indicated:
7.54.38
